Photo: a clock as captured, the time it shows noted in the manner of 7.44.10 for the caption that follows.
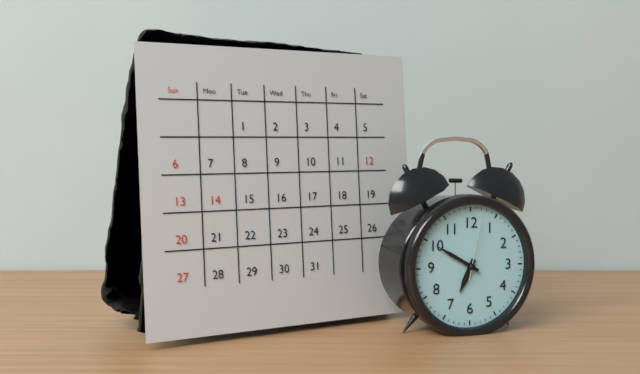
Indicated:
6.50.02
